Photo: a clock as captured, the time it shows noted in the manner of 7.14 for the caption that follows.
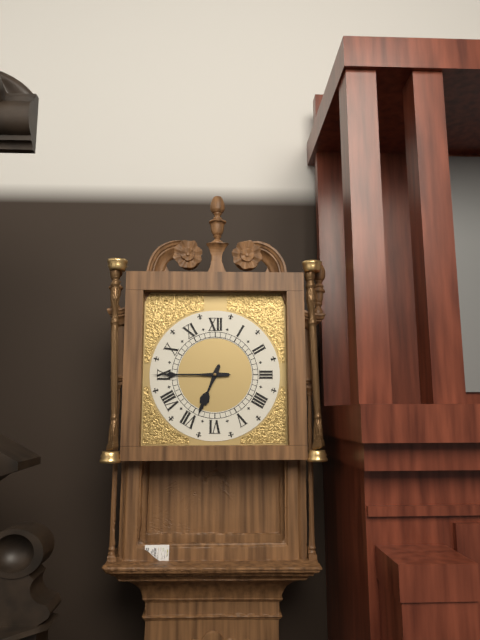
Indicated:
6.45
